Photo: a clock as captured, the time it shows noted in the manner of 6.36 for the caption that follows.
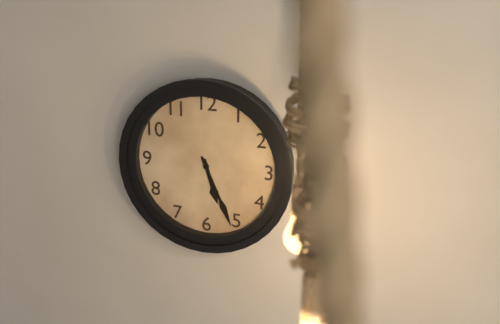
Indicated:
5.26
